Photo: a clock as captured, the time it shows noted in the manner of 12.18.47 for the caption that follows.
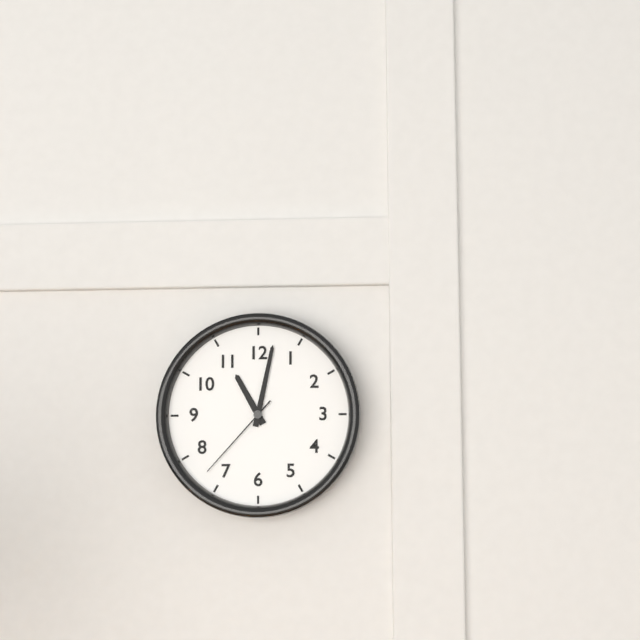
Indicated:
11.02.37
